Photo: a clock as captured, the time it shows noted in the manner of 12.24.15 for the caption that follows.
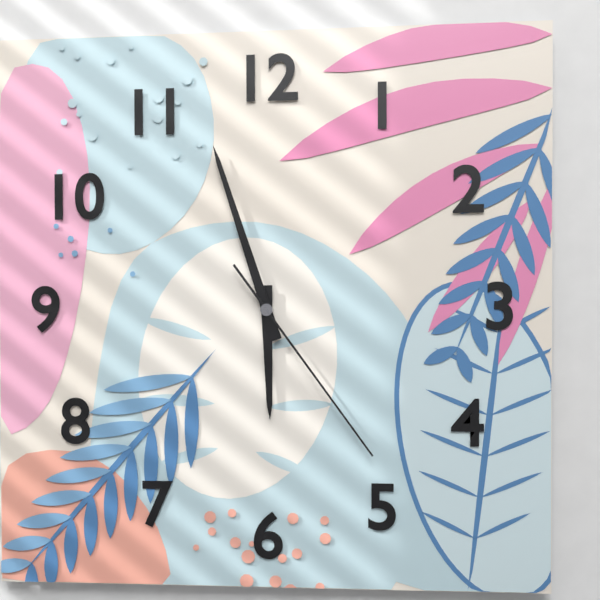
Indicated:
5.57.24
